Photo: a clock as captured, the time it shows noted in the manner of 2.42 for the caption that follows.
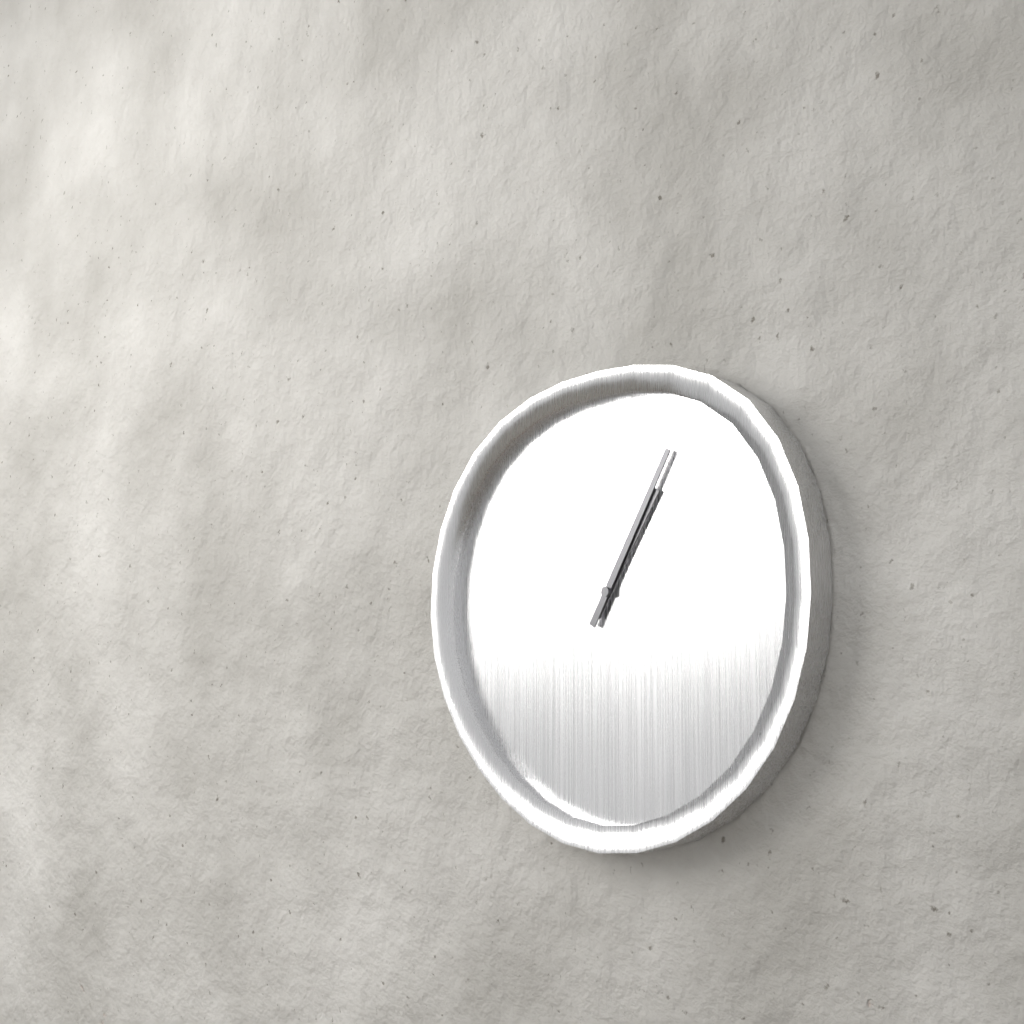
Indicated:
1.05
